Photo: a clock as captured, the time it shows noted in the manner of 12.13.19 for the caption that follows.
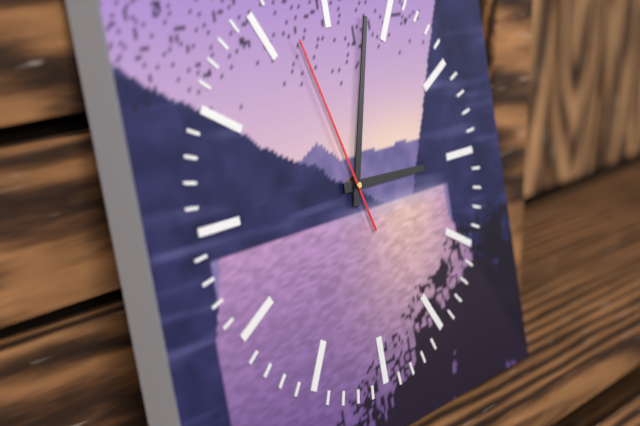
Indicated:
3.03.57
